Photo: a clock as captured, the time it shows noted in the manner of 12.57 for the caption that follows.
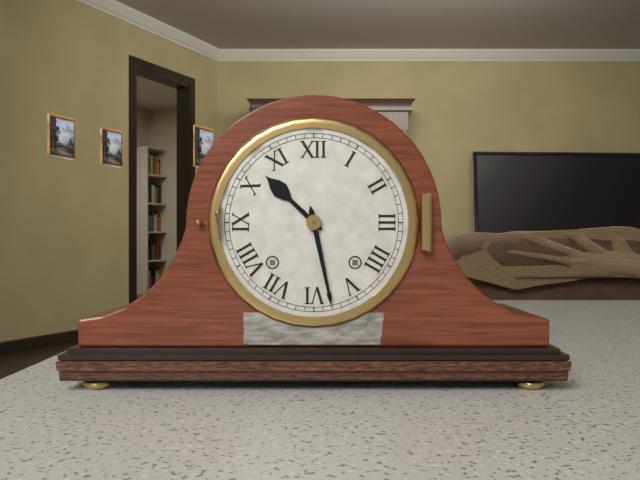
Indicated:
10.28
